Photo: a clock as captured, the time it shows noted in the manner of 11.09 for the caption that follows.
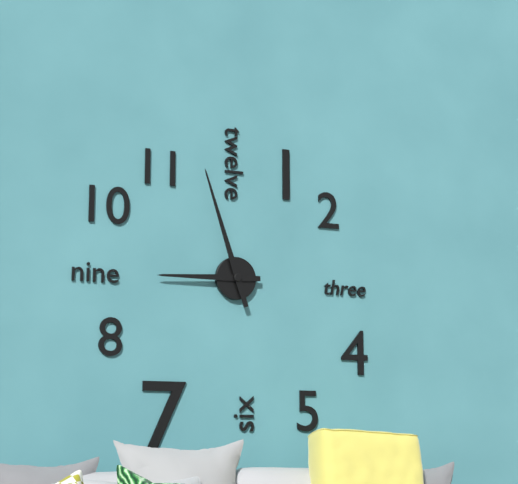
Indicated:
8.57
